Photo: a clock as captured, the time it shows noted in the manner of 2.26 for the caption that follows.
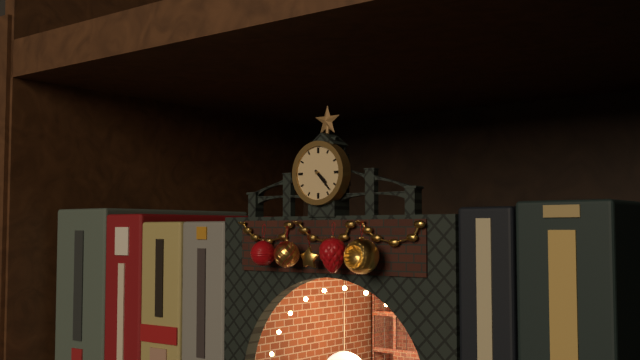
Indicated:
4.23
